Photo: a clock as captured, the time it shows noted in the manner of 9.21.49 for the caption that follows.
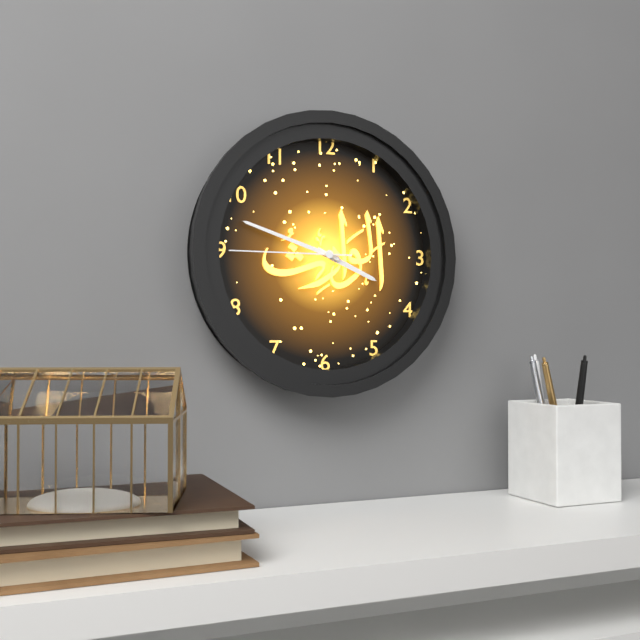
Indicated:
3.48.45
